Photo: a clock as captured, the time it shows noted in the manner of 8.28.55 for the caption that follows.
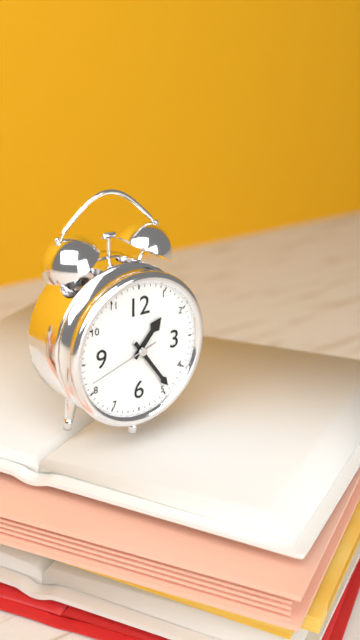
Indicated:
1.24.42
